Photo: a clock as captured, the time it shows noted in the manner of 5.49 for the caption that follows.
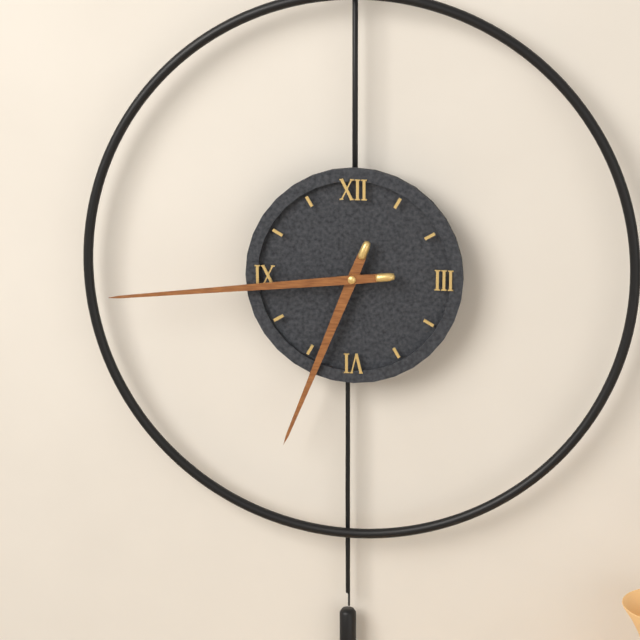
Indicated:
6.44
